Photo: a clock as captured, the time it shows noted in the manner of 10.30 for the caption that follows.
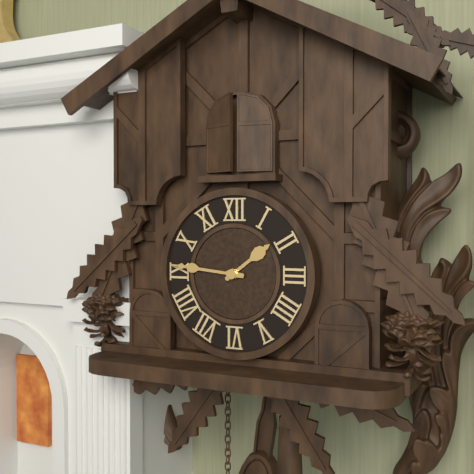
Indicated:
1.46
